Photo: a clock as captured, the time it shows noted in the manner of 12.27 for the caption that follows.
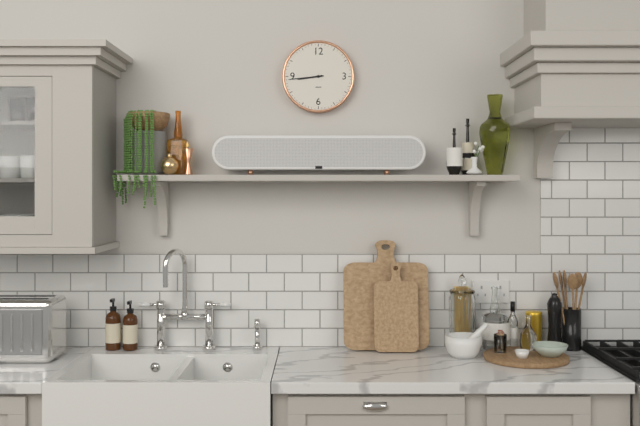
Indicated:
8.44
